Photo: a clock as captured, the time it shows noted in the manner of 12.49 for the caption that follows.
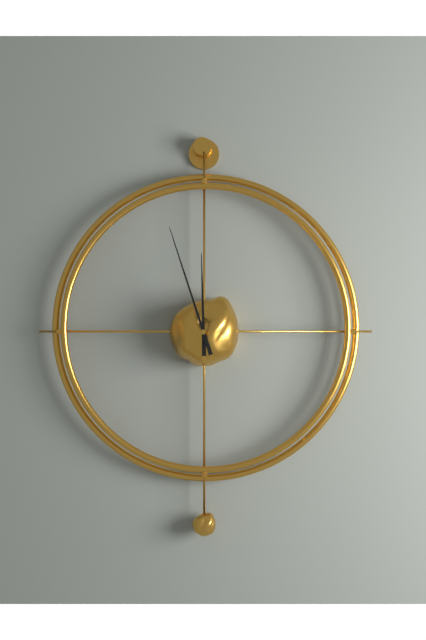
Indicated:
11.57
